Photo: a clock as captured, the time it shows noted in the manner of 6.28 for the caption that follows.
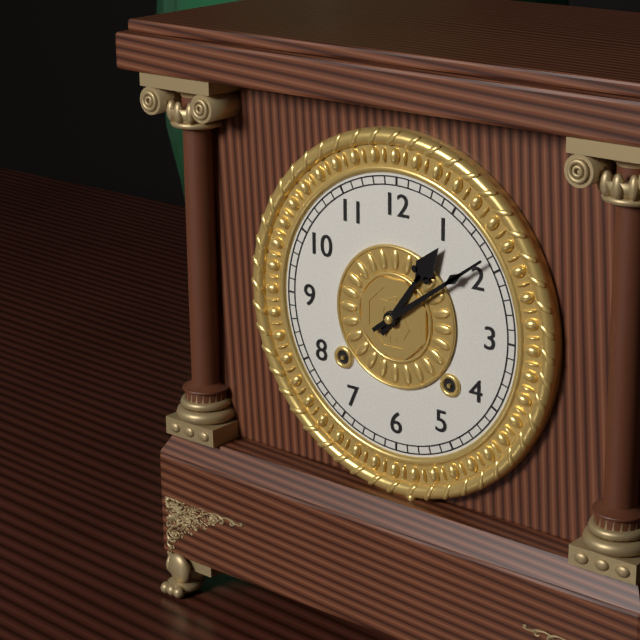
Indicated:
1.09
